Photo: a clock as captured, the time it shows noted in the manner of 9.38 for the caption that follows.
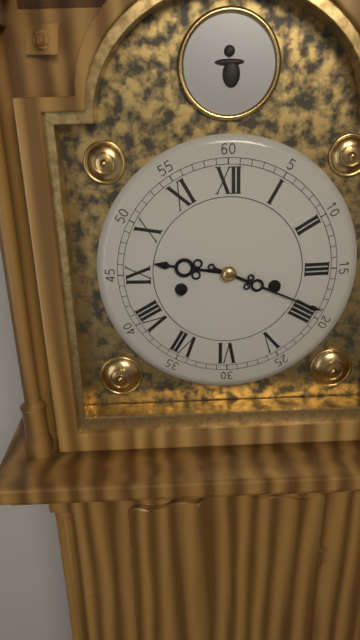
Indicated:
9.19
